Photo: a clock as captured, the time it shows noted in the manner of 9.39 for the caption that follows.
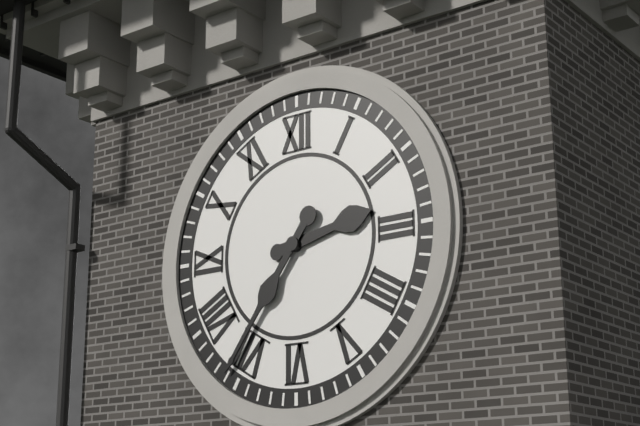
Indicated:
2.36
